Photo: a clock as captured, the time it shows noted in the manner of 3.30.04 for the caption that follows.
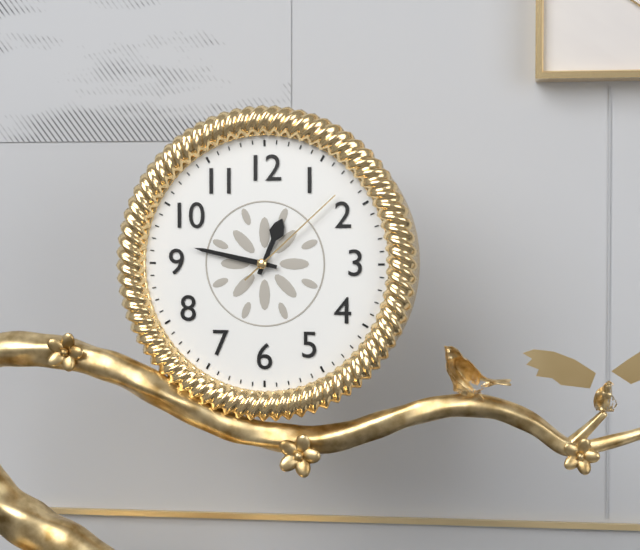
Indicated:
12.47.08
